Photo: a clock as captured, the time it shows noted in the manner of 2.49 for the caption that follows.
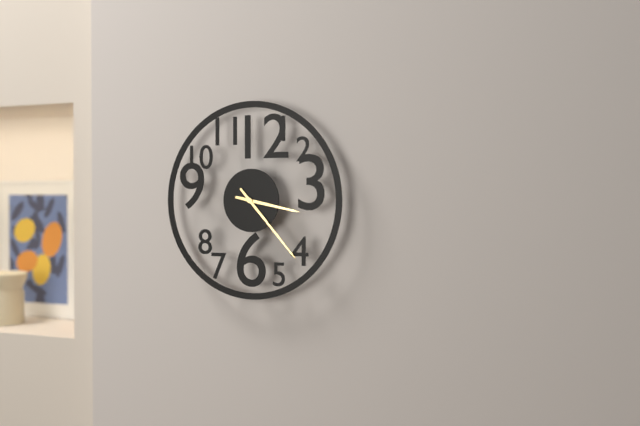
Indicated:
3.23
